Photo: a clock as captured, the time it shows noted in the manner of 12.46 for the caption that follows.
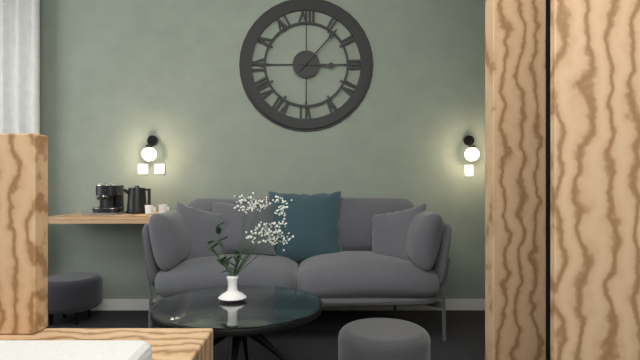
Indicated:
3.07
